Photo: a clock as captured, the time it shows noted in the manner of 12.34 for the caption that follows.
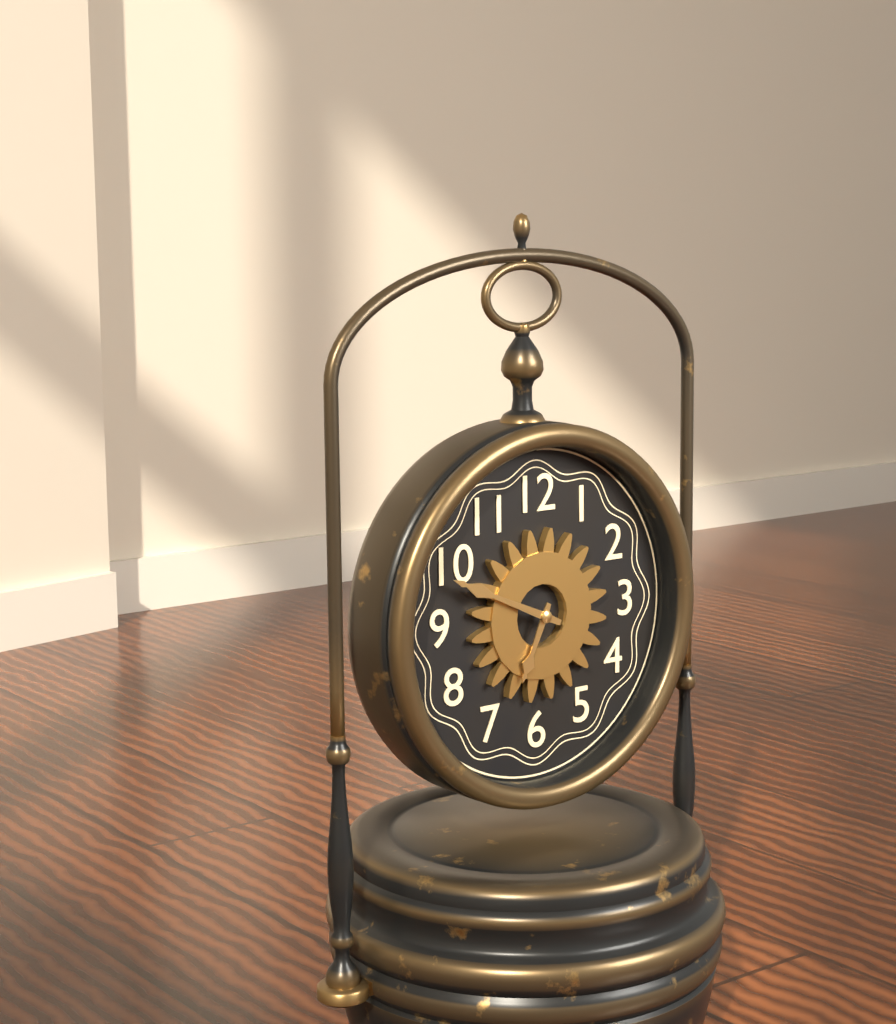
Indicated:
6.49
